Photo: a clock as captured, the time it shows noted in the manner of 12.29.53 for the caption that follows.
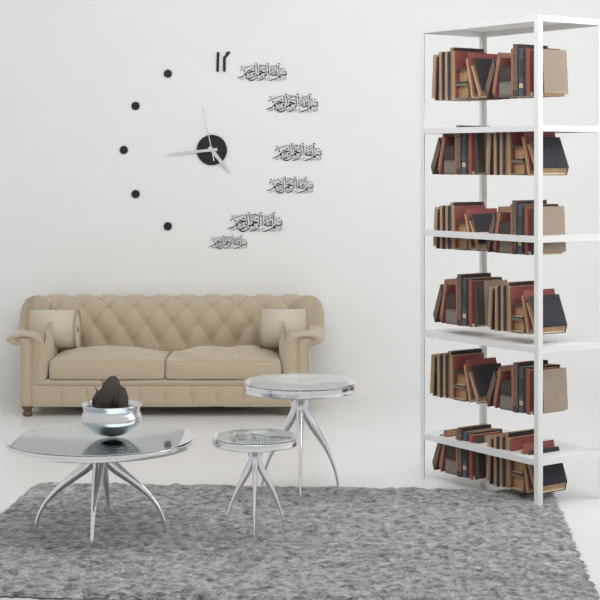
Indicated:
4.44.58
